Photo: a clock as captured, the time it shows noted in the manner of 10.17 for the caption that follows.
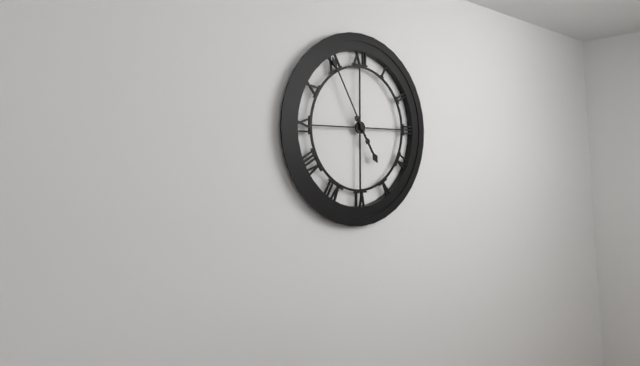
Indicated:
4.55
